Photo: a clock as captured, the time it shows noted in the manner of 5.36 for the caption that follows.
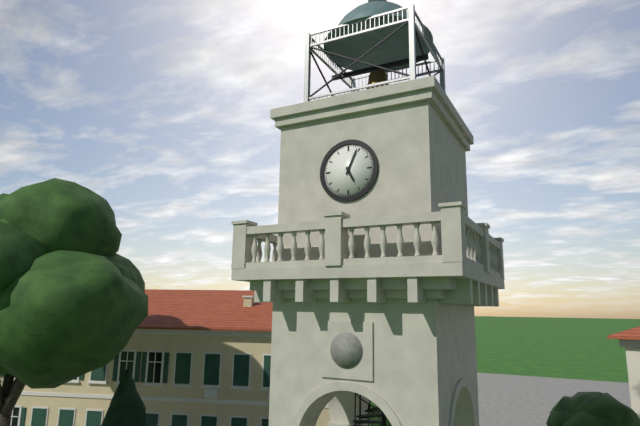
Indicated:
5.04
